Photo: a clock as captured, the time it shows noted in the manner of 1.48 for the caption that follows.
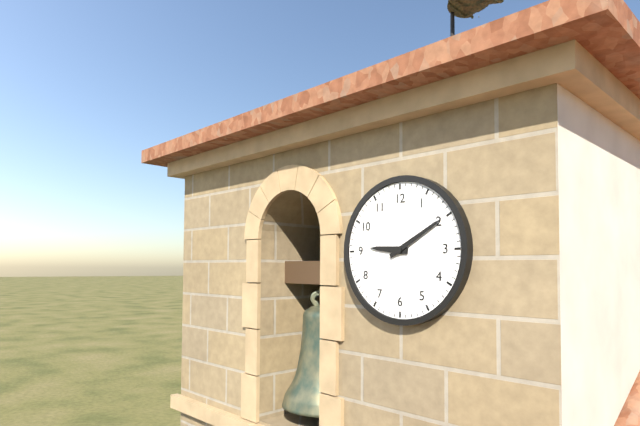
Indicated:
9.10
